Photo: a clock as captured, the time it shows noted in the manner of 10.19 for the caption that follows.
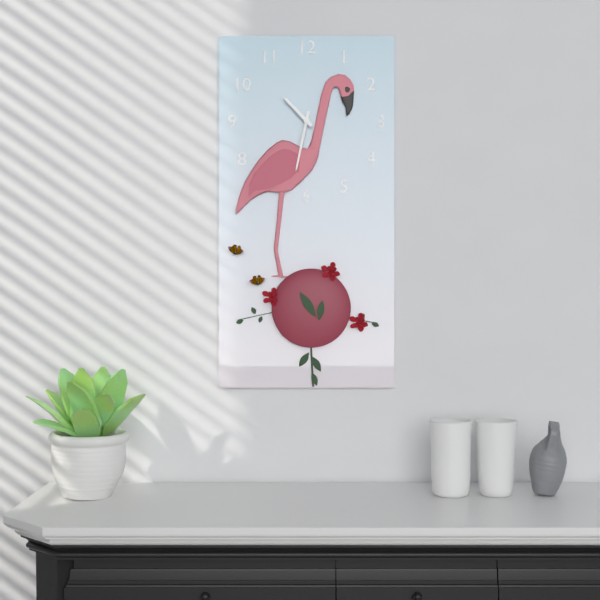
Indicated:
10.32
